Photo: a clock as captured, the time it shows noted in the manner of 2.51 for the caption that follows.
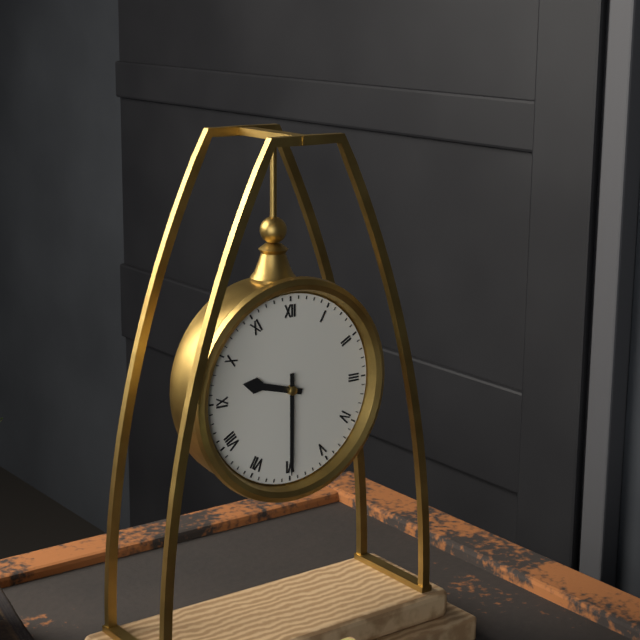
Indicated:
9.30
